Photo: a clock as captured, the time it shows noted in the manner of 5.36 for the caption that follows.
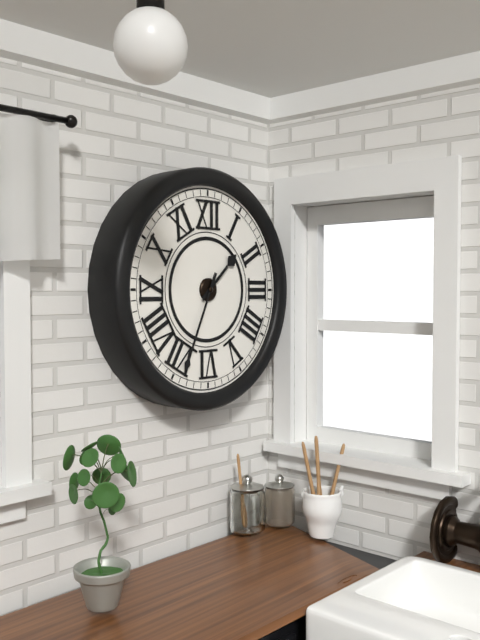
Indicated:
1.34
